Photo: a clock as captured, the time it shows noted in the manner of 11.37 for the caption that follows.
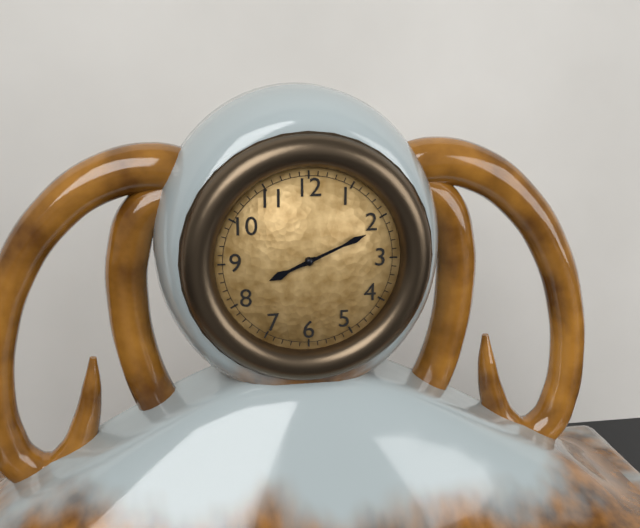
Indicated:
8.11
